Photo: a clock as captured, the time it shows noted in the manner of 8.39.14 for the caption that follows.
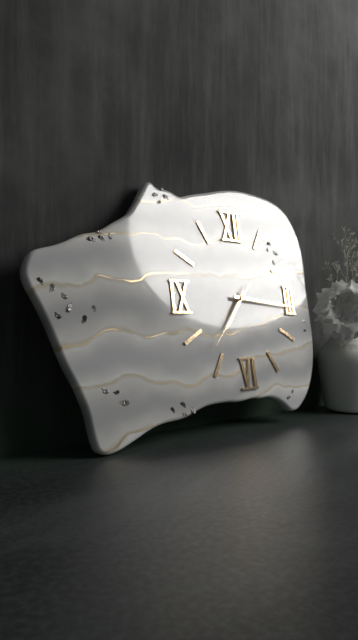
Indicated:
7.16.37
